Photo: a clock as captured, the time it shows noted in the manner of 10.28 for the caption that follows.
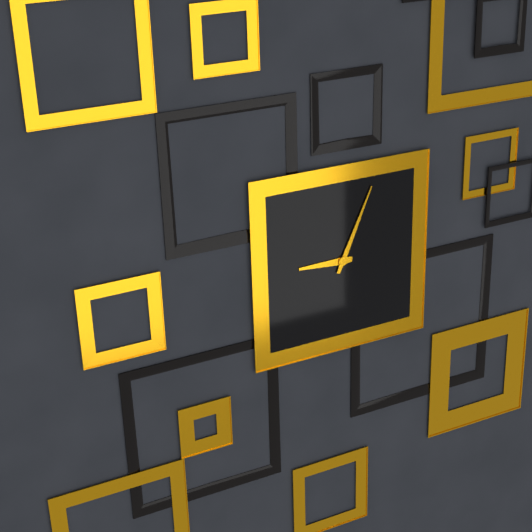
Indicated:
9.04
